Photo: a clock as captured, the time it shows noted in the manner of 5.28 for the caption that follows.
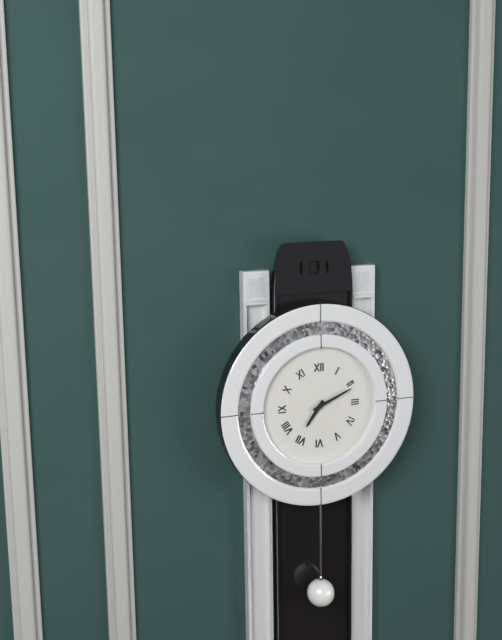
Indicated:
7.11
